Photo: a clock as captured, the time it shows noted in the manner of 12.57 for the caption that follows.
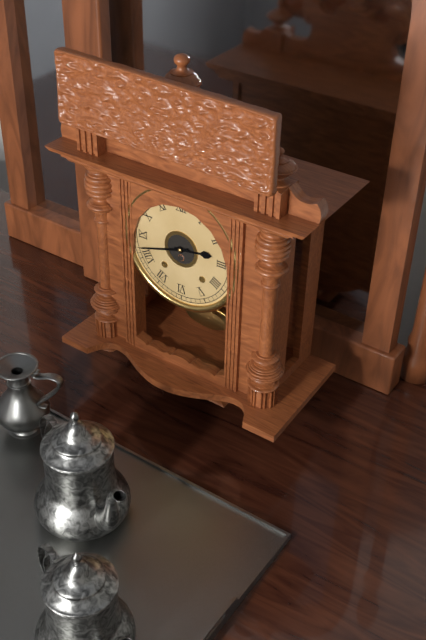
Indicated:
2.42
